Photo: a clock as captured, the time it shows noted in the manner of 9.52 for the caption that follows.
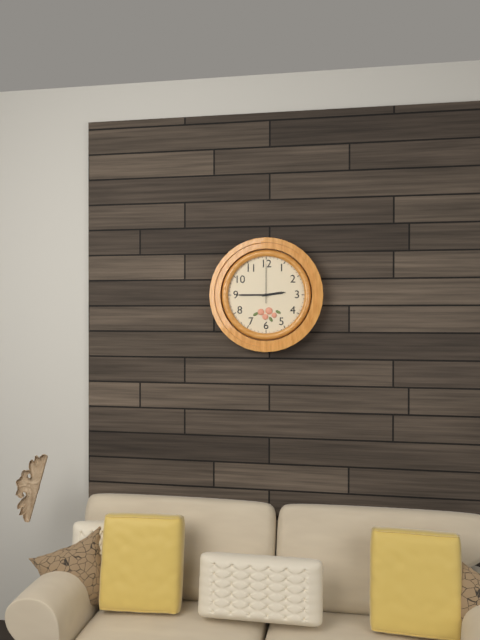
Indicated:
2.45
